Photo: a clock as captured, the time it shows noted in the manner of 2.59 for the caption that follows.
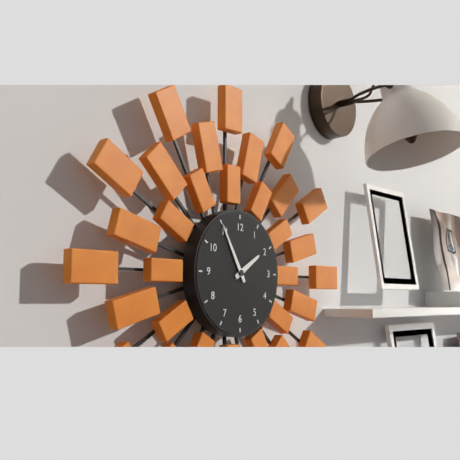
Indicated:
1.55
